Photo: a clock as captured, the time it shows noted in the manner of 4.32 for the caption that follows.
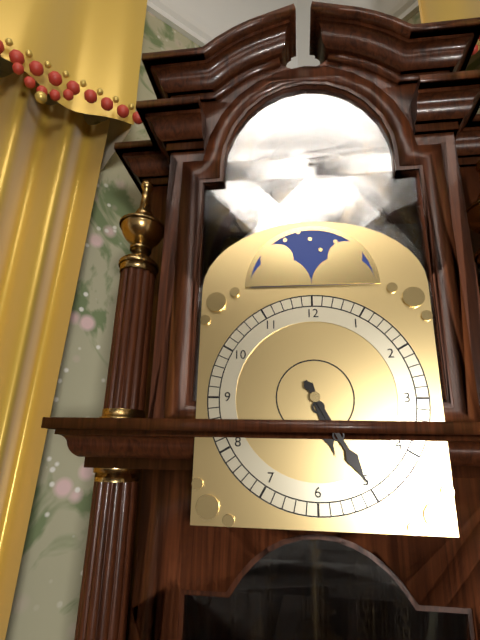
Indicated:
5.25
